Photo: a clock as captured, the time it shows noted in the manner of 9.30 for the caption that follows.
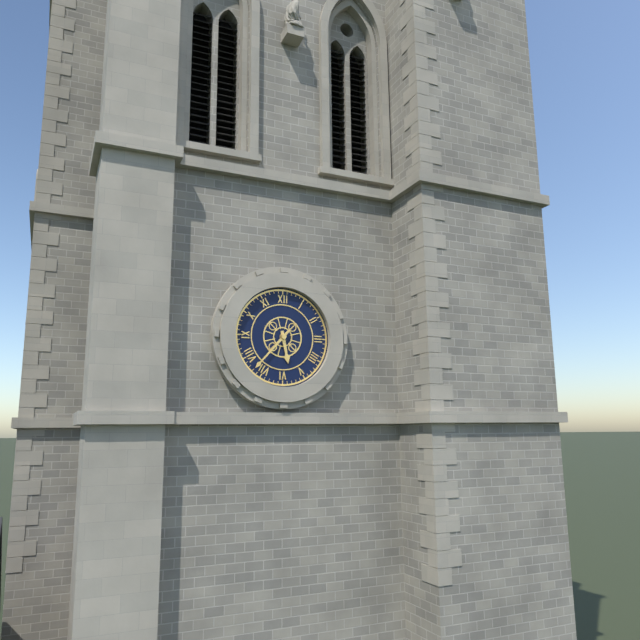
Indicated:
5.37
